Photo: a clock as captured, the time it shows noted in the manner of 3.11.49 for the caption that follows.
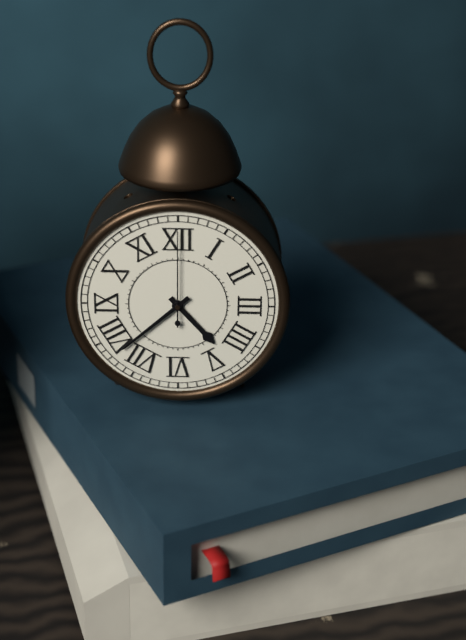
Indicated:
4.38.00
